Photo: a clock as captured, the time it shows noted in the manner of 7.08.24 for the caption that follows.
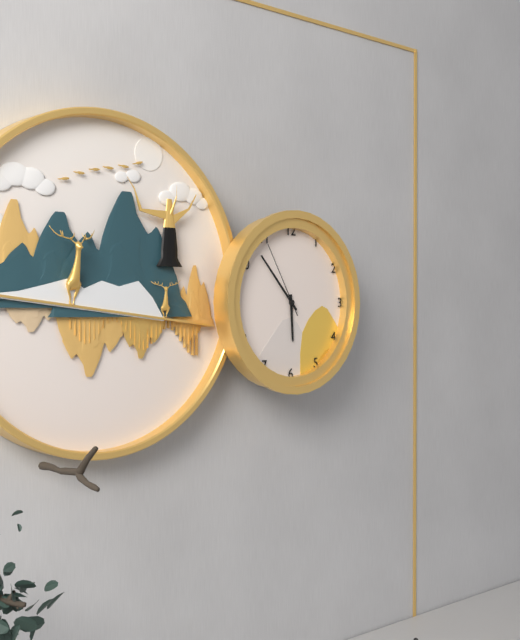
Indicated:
5.53.55
